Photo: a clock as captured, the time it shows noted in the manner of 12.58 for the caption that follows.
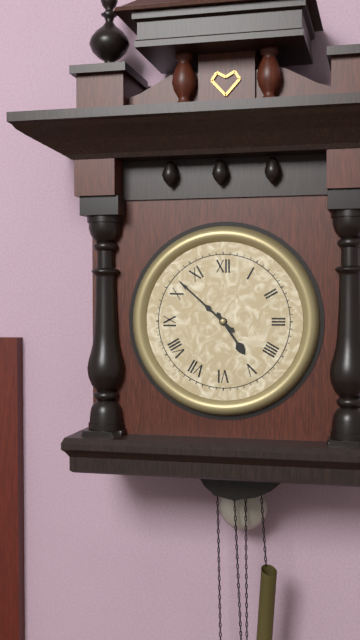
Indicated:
4.52
